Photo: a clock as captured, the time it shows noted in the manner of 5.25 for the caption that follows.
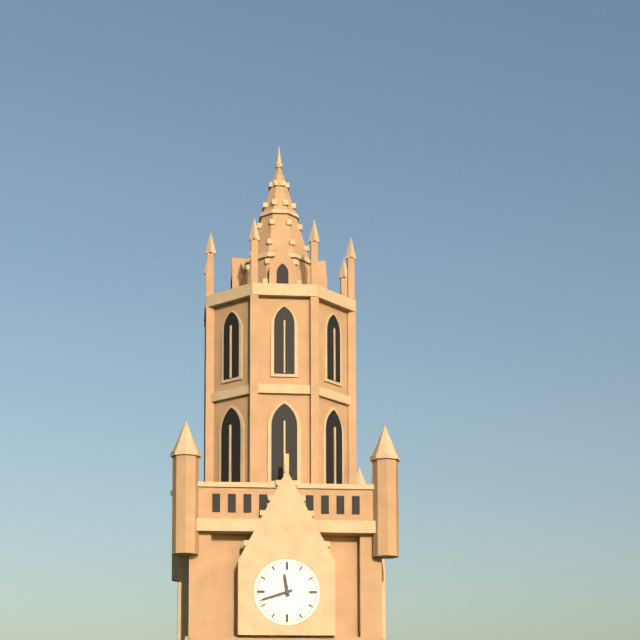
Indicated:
11.42
